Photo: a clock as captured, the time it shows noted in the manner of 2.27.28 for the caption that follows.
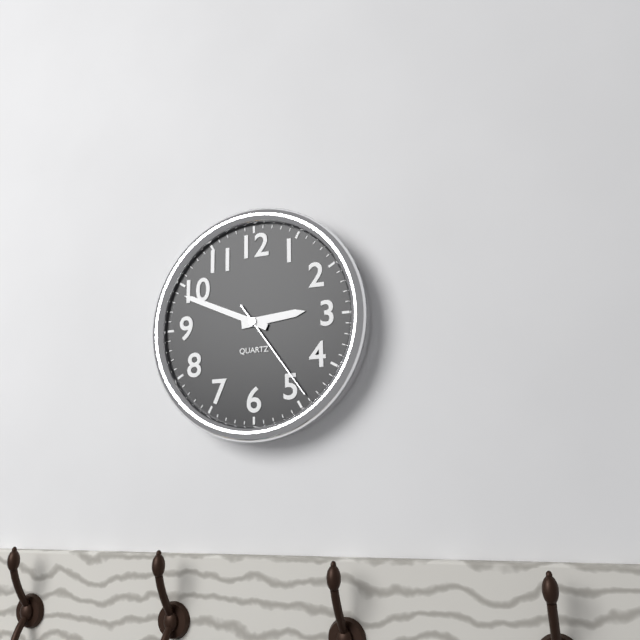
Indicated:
2.49.24
